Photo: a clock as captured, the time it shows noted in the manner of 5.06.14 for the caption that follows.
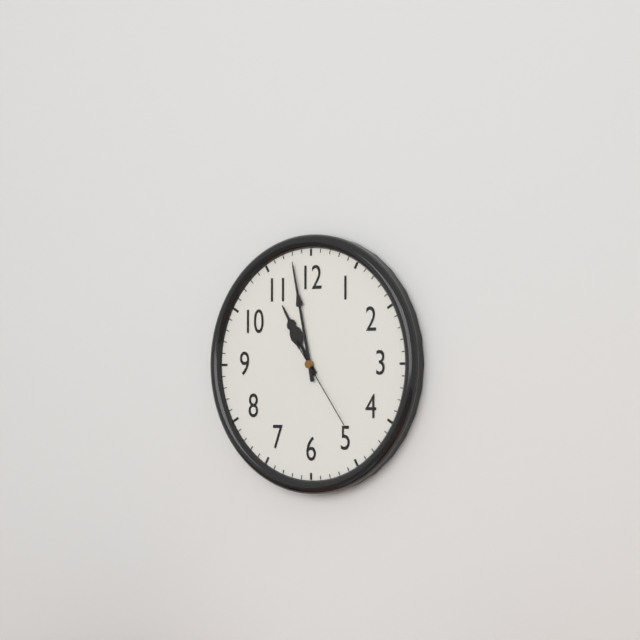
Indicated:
10.58.24
